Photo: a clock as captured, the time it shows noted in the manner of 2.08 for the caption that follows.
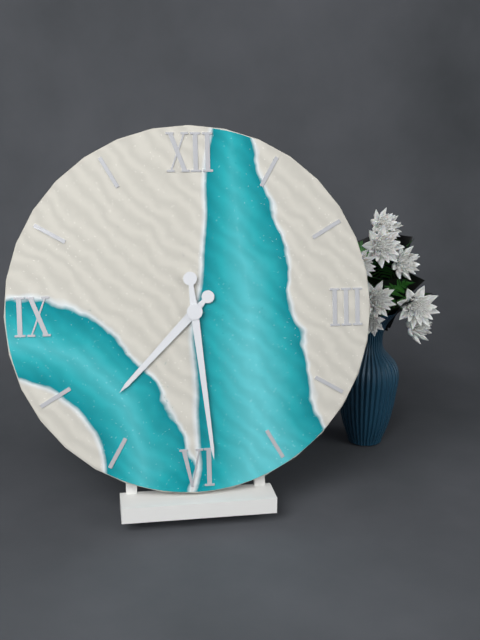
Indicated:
7.29
